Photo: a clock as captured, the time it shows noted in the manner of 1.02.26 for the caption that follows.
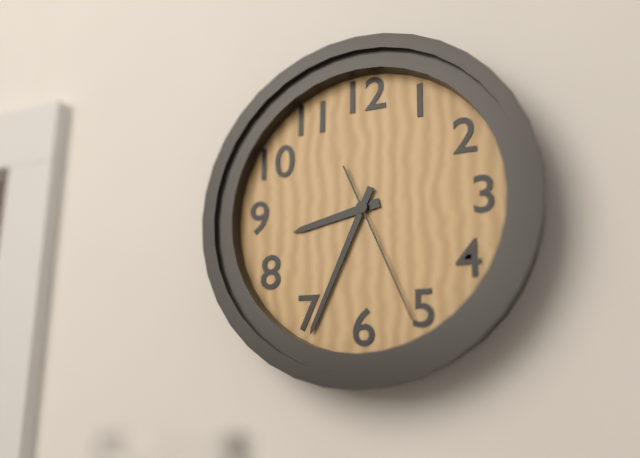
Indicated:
8.34.26
